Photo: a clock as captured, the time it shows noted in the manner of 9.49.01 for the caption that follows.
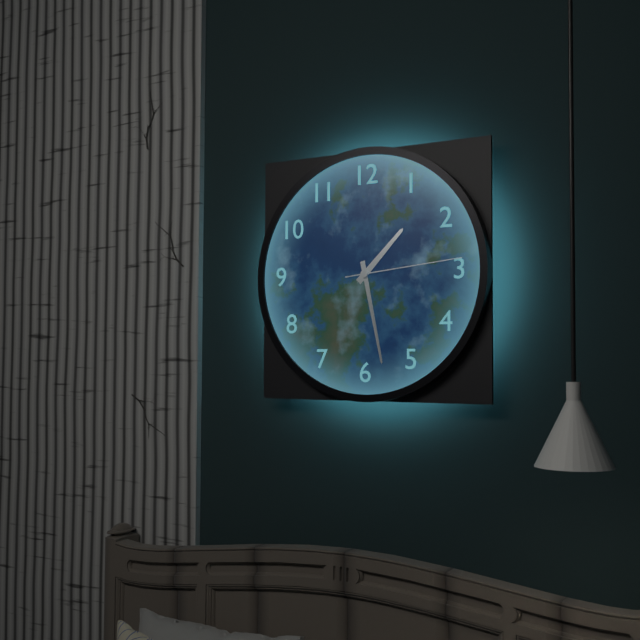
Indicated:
1.28.14
